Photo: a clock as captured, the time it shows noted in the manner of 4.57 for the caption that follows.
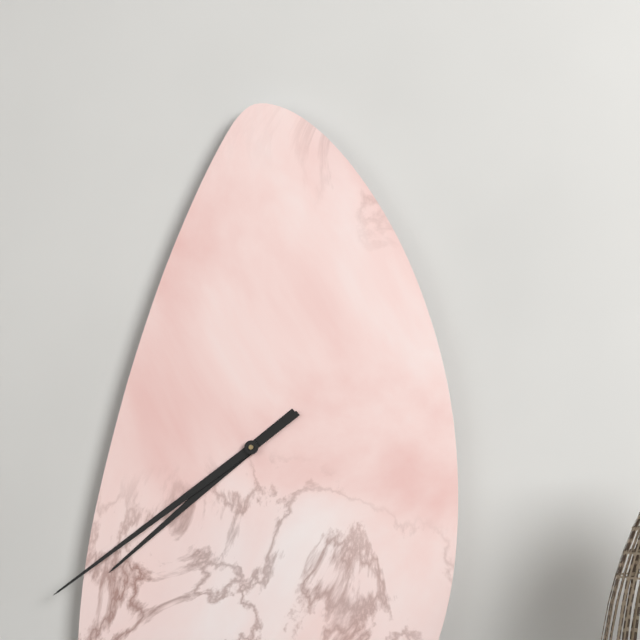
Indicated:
7.39
